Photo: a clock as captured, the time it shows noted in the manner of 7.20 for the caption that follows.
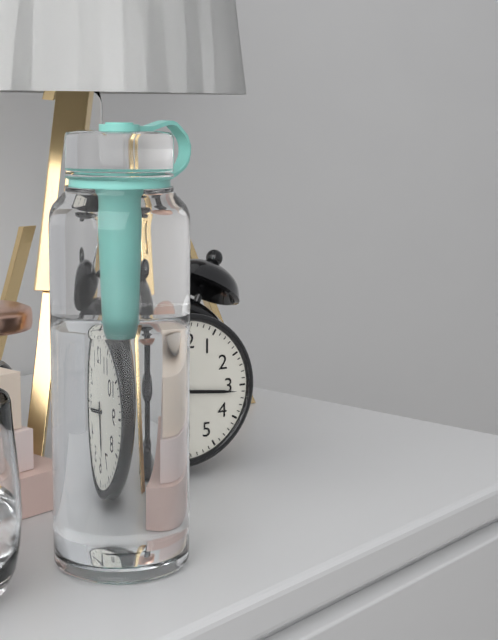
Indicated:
6.16
